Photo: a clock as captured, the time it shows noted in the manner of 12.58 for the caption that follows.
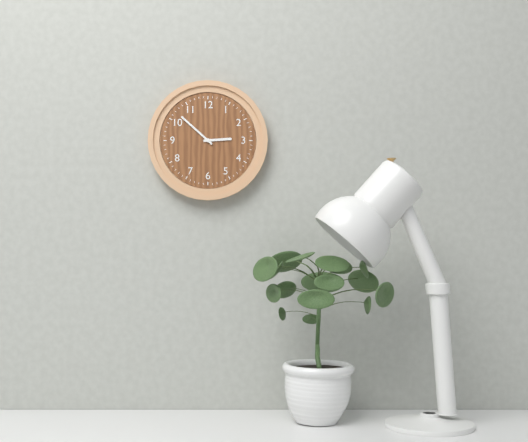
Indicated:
2.52
